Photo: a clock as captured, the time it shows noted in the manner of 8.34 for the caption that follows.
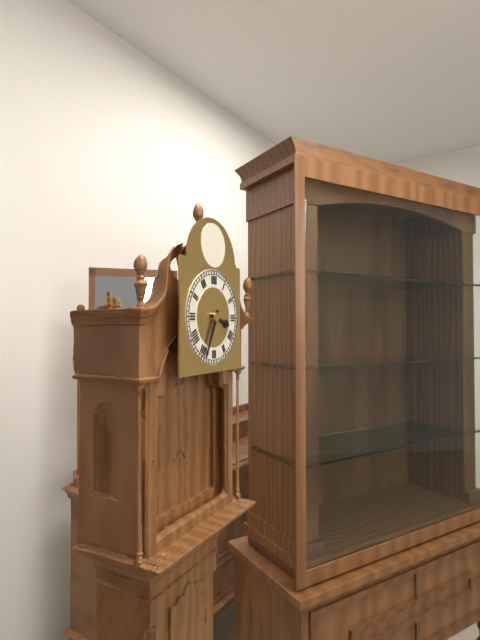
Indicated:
3.34
